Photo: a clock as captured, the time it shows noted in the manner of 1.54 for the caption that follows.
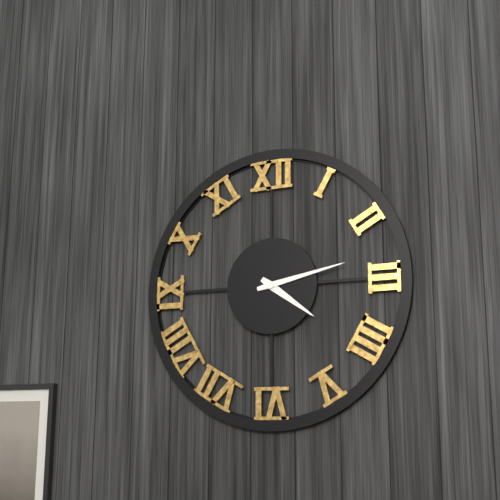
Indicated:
4.13
